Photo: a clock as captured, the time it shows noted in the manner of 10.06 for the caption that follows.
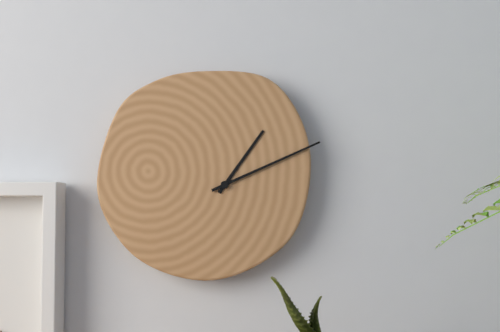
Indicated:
1.11
